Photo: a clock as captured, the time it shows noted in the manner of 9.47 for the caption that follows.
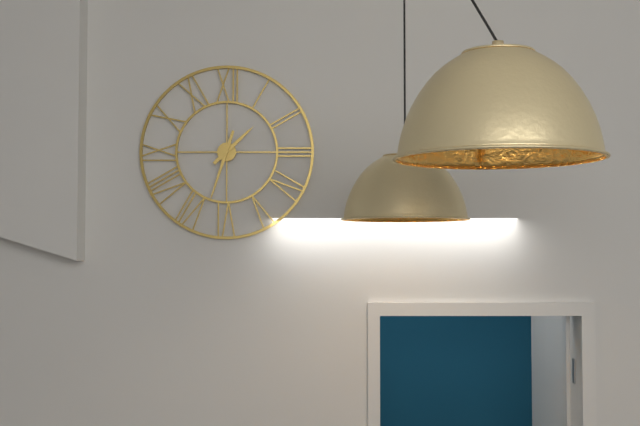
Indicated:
1.33
